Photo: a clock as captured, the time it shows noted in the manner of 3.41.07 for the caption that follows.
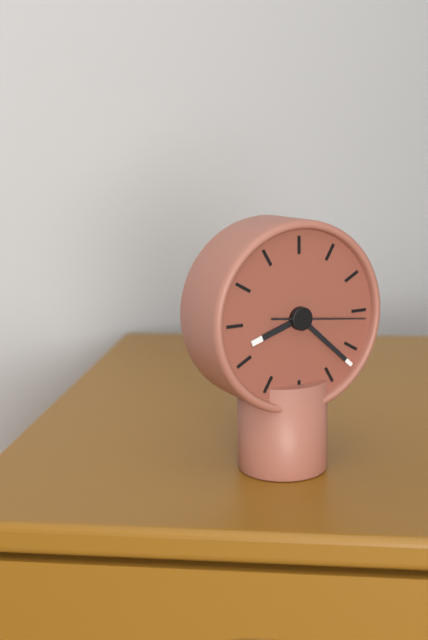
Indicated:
8.22.16
